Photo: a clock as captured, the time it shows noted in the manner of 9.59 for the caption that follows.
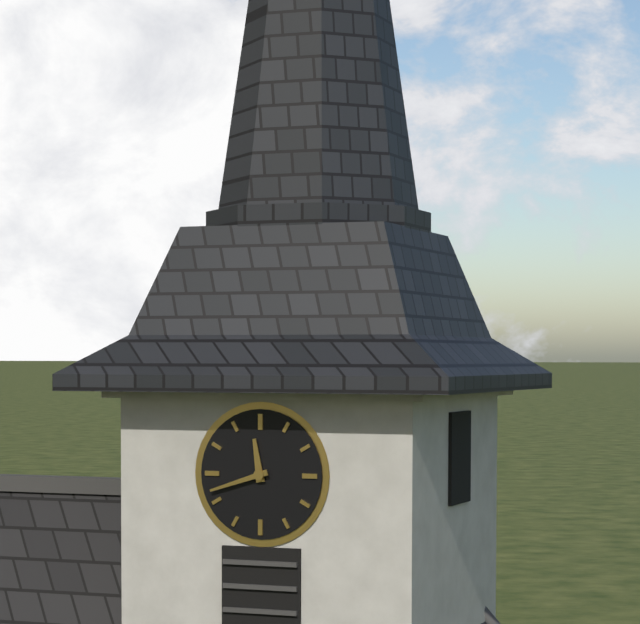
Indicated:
11.42
